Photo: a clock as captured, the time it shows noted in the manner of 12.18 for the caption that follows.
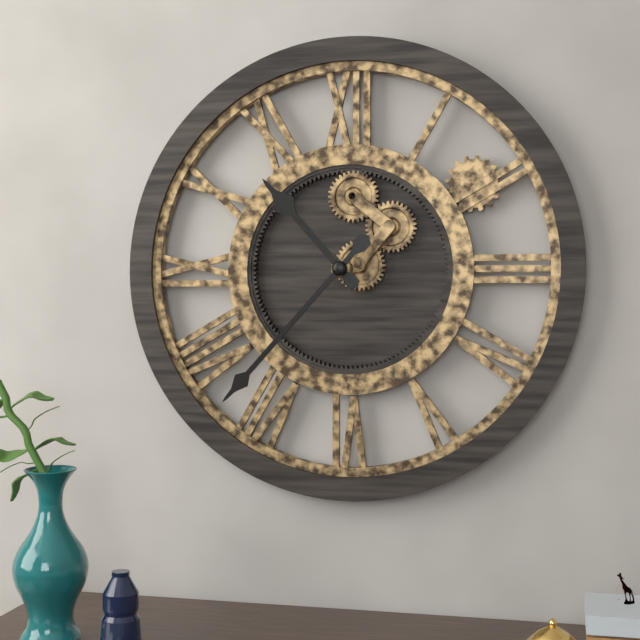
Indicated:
10.37
